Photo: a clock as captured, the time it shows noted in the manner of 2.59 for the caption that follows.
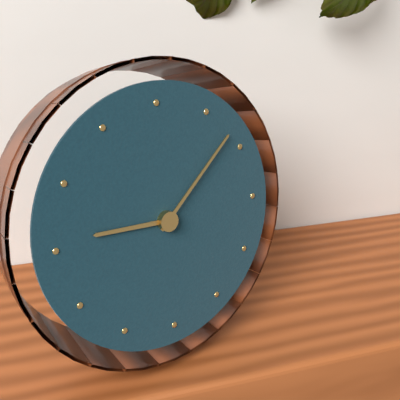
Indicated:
9.08
